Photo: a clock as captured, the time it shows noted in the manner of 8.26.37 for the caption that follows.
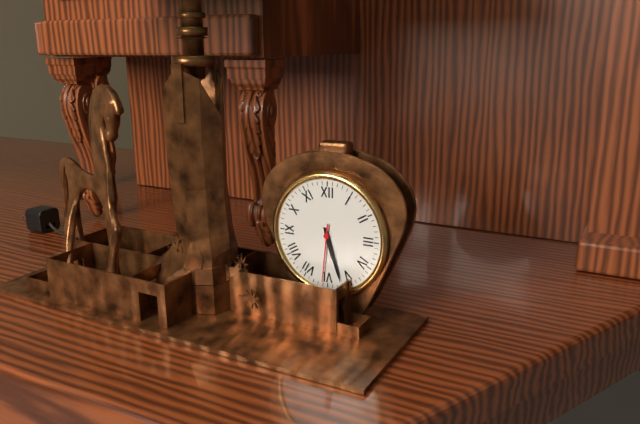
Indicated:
5.27.31
